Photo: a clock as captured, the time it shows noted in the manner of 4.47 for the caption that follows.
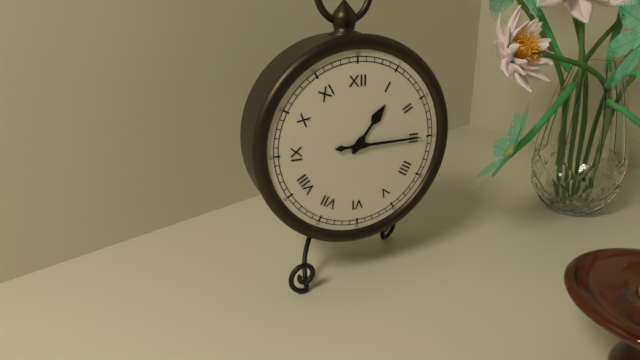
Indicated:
1.15
